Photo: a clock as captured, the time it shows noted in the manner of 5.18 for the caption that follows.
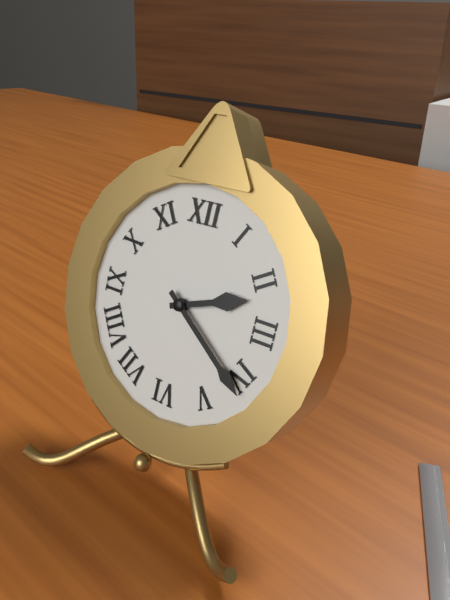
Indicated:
2.21
